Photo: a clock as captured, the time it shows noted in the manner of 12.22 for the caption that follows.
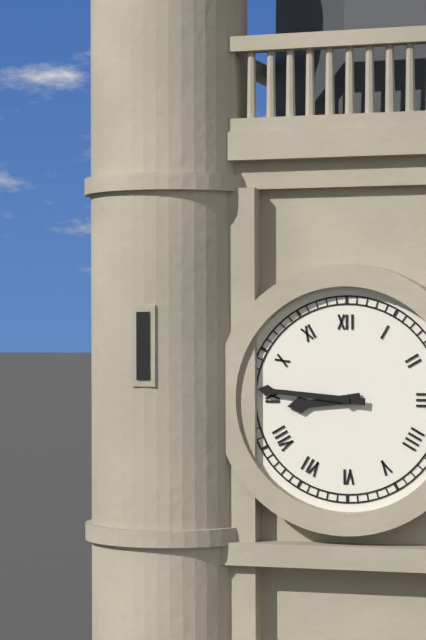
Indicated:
8.46
